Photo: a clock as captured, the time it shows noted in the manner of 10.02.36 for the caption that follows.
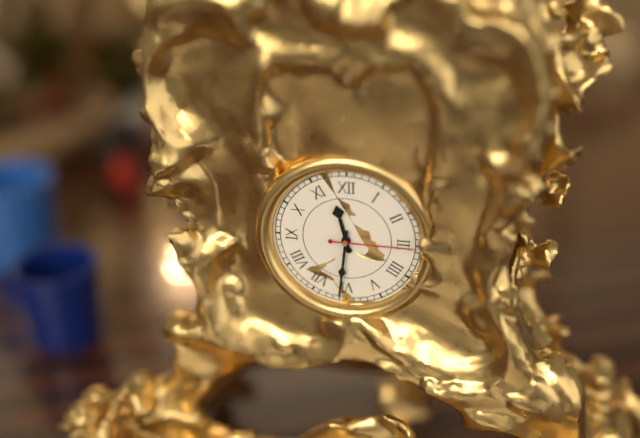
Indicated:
11.31.15
